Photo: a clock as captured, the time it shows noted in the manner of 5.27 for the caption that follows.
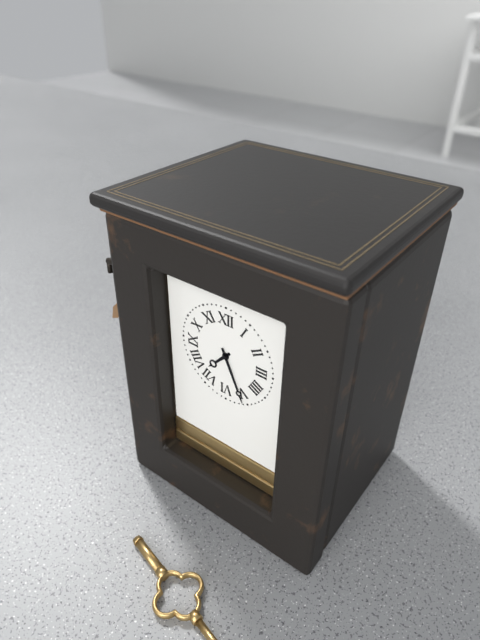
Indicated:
7.26
